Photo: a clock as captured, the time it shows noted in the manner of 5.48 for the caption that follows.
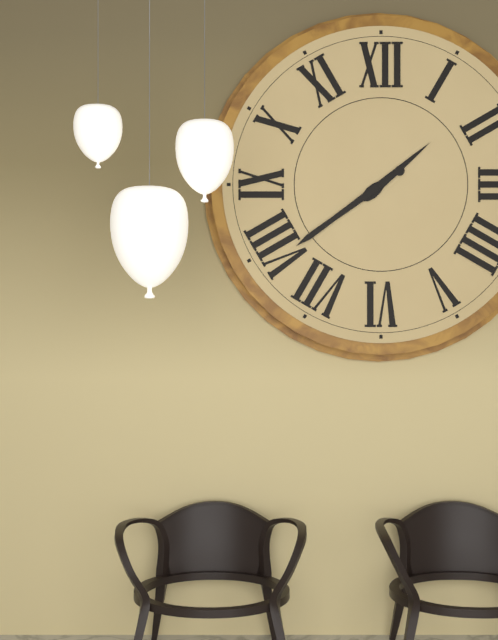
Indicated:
1.39
